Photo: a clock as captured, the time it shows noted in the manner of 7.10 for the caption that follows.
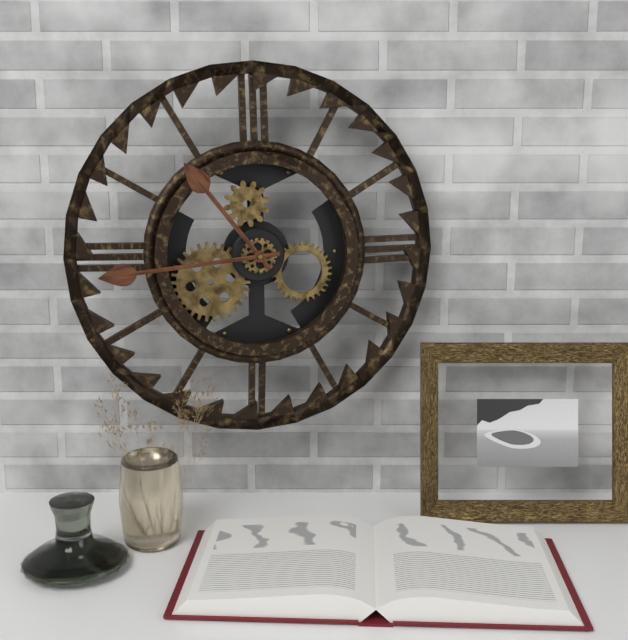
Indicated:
10.44
